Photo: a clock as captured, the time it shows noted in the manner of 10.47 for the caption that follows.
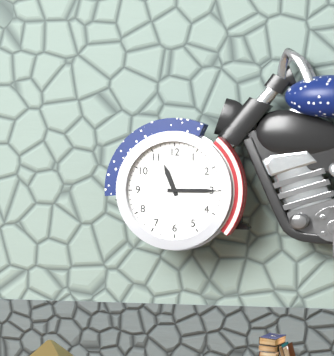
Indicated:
11.15
